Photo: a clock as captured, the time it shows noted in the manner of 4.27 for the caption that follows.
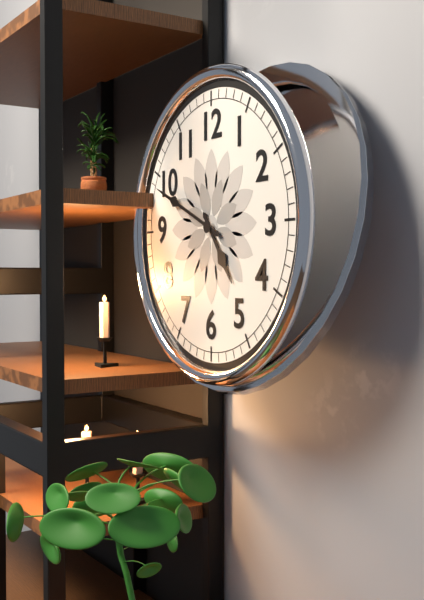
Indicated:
4.49
